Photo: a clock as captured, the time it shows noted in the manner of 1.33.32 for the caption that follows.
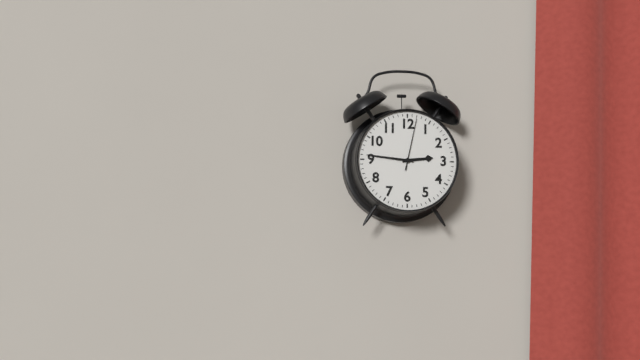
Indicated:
2.46.02
